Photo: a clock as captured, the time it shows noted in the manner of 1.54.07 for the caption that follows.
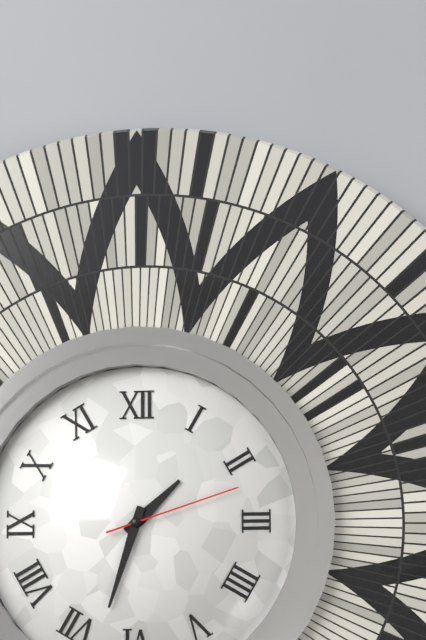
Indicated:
1.33.12
